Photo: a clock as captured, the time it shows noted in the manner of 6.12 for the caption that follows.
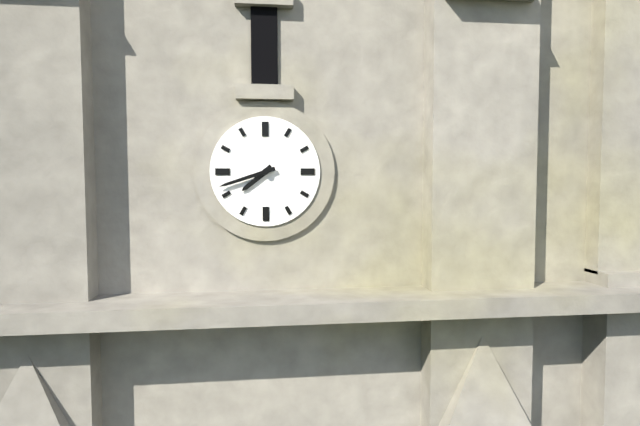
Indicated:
7.42
